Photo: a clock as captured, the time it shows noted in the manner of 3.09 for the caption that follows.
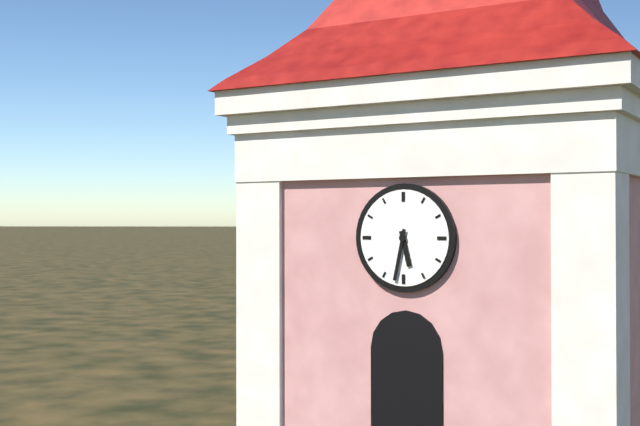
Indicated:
5.32
